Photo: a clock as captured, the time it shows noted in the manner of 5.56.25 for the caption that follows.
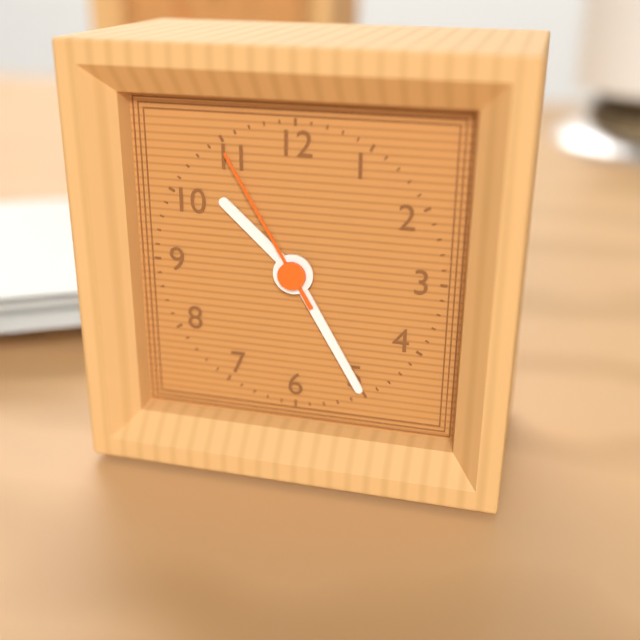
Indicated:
10.25.55
